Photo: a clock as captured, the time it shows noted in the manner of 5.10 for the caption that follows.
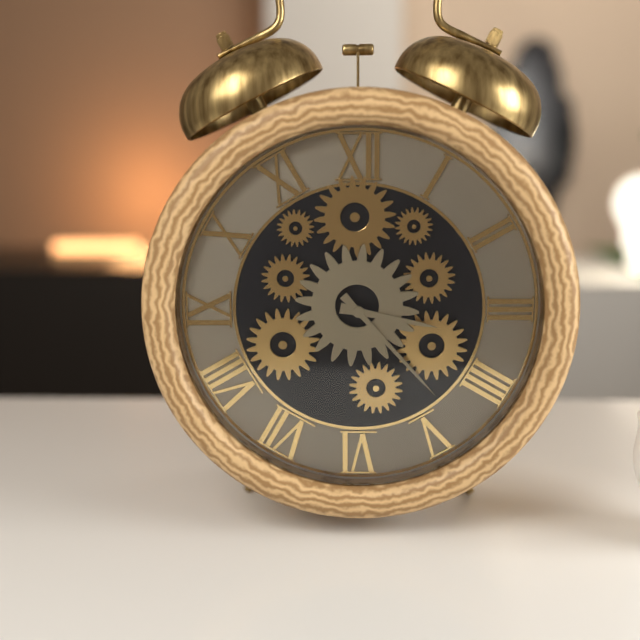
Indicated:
3.23
